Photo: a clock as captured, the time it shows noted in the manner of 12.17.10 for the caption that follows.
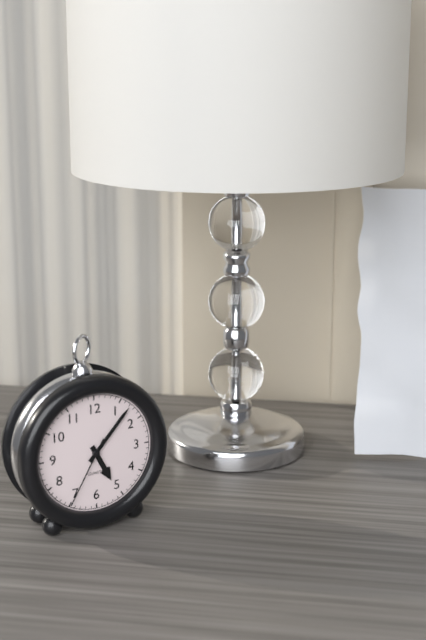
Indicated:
5.07.35
